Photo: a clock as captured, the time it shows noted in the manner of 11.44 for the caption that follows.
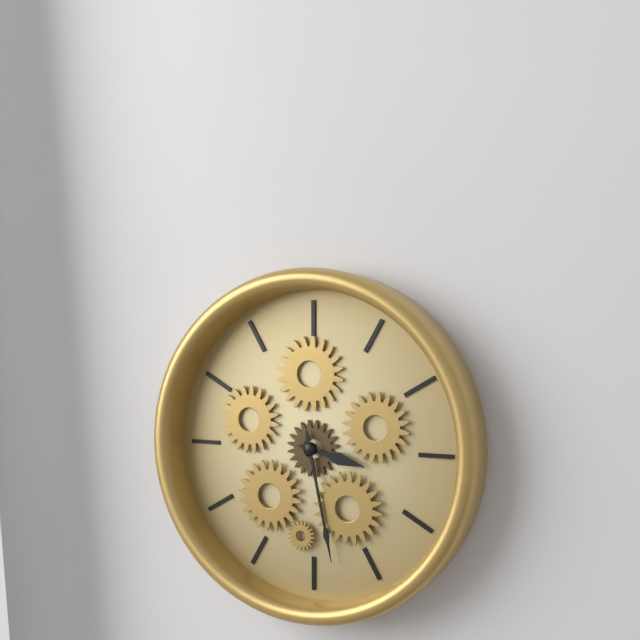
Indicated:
3.28
